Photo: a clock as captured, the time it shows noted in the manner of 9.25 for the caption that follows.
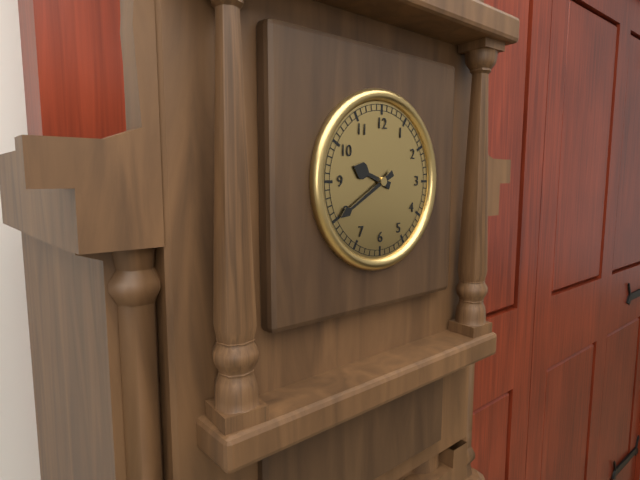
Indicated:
9.40
